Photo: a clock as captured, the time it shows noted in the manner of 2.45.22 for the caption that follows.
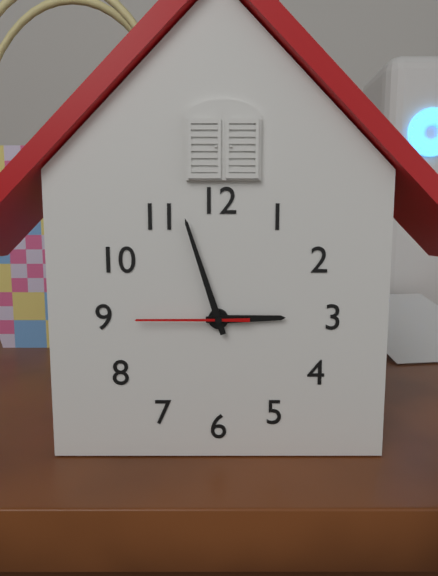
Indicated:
2.57.45
